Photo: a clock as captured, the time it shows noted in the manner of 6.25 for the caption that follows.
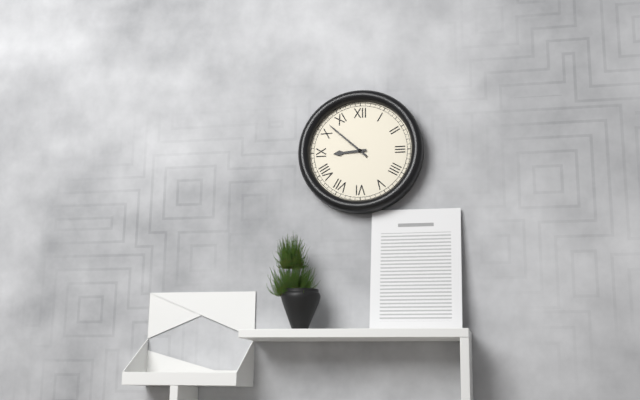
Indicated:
8.52
